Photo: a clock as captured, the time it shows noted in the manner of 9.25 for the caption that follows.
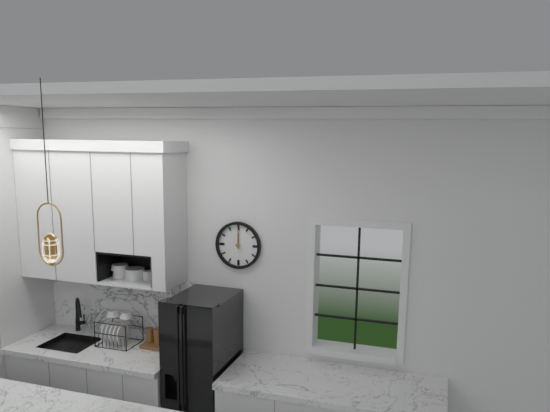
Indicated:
12.00
